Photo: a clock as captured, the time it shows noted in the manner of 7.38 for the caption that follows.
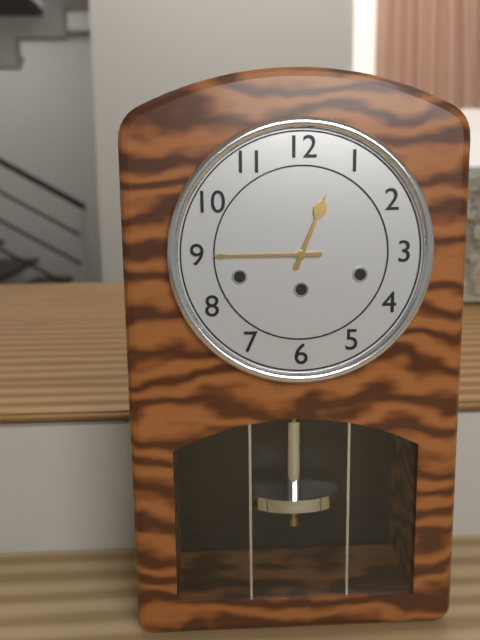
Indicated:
12.45
